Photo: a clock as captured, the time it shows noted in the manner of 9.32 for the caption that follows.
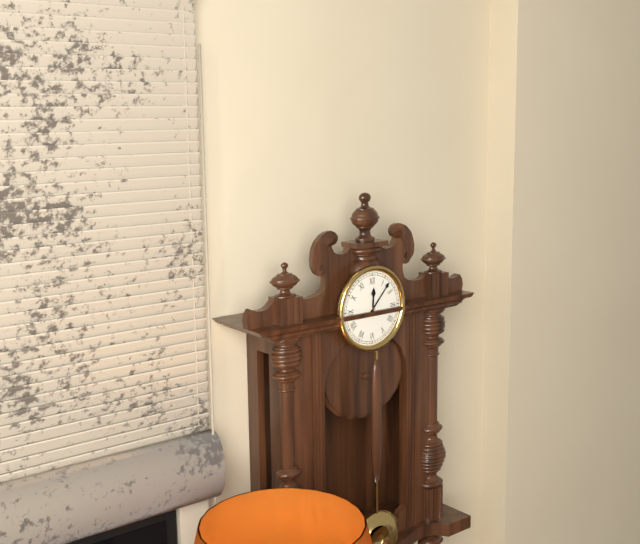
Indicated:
12.07
